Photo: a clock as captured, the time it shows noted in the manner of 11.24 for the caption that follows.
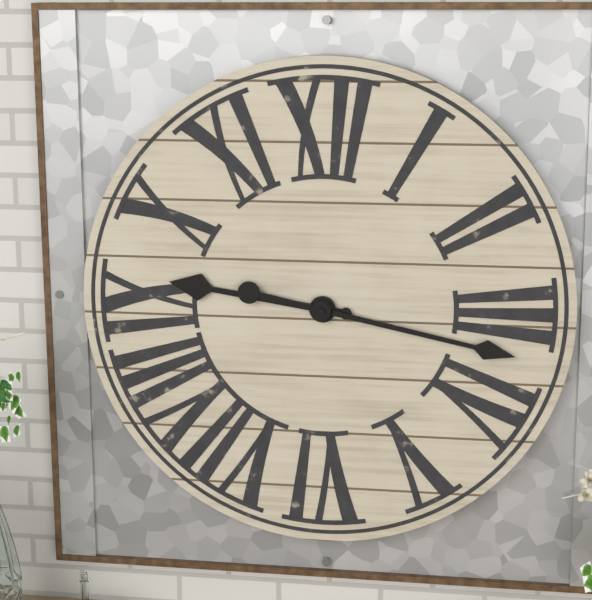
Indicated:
9.17
